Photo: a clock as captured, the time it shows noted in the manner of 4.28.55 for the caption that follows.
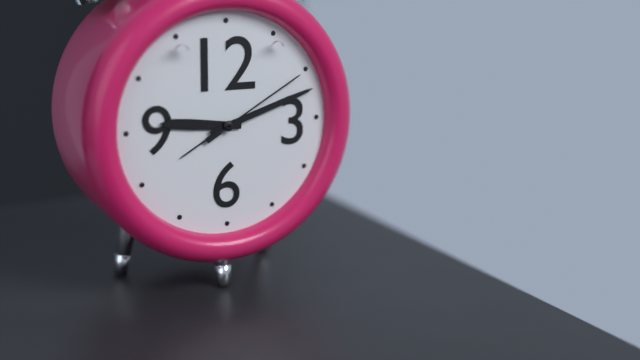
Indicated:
9.12.10
